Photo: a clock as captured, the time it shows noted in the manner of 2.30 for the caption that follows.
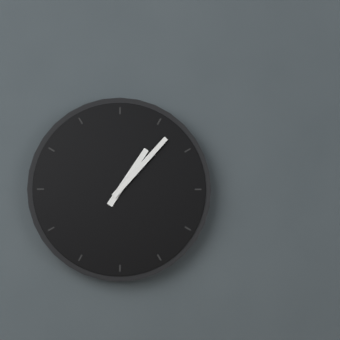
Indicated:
1.07
